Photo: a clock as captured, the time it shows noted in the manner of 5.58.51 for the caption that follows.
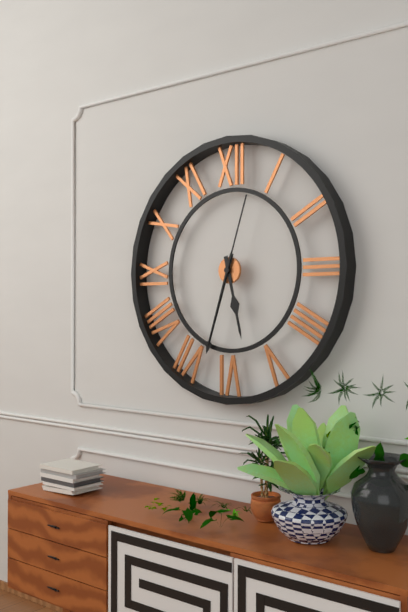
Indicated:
5.33.33
